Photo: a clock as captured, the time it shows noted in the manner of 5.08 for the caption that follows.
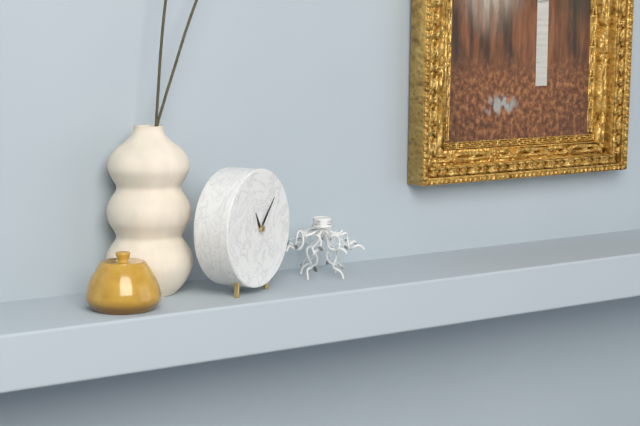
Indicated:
11.07
